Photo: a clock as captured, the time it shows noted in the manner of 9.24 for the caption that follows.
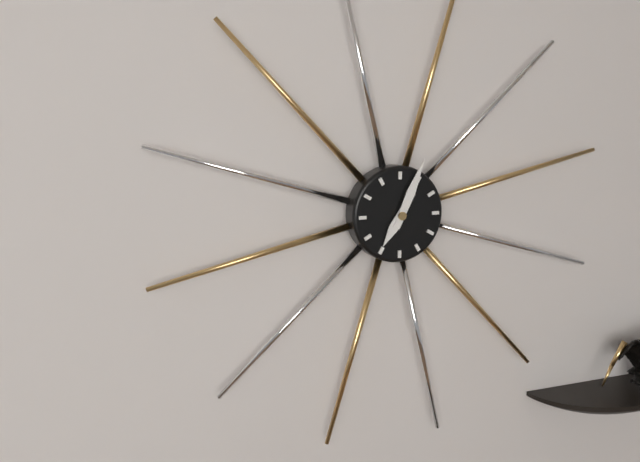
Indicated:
7.04
